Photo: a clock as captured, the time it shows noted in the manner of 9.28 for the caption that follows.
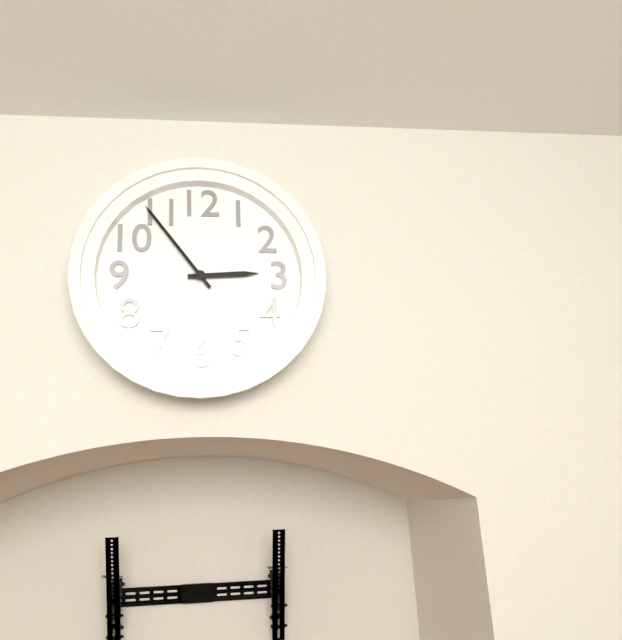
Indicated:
2.54
